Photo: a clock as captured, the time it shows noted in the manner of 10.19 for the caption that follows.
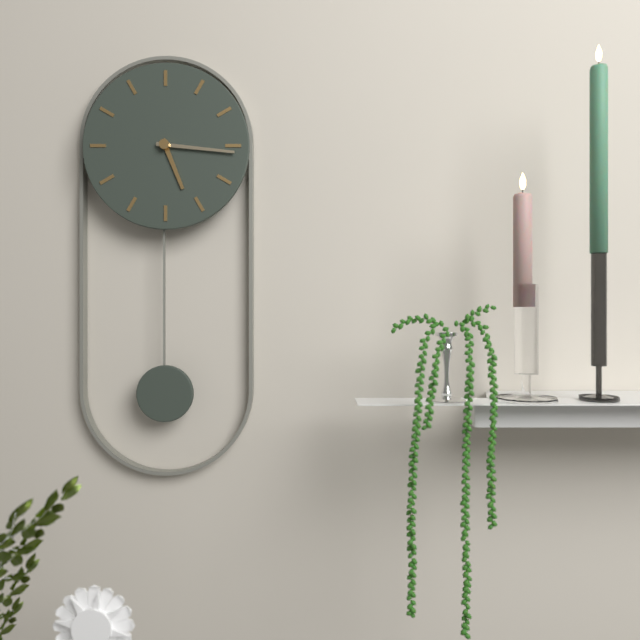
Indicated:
5.16
